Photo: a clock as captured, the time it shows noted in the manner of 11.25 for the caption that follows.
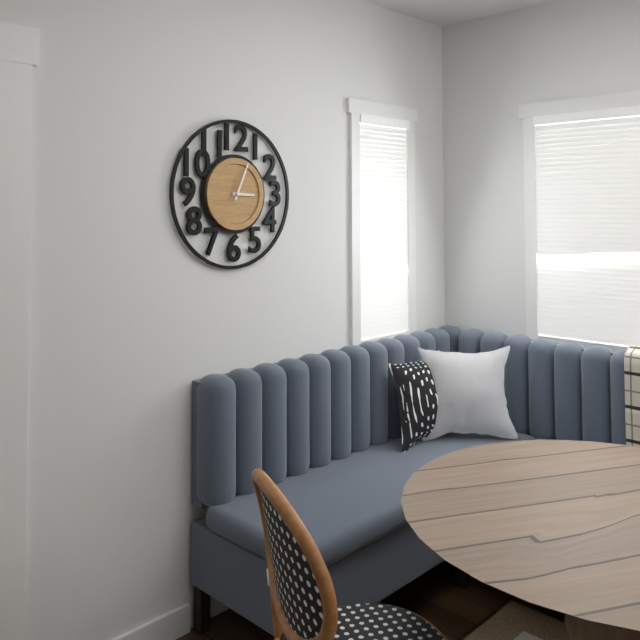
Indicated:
3.04
